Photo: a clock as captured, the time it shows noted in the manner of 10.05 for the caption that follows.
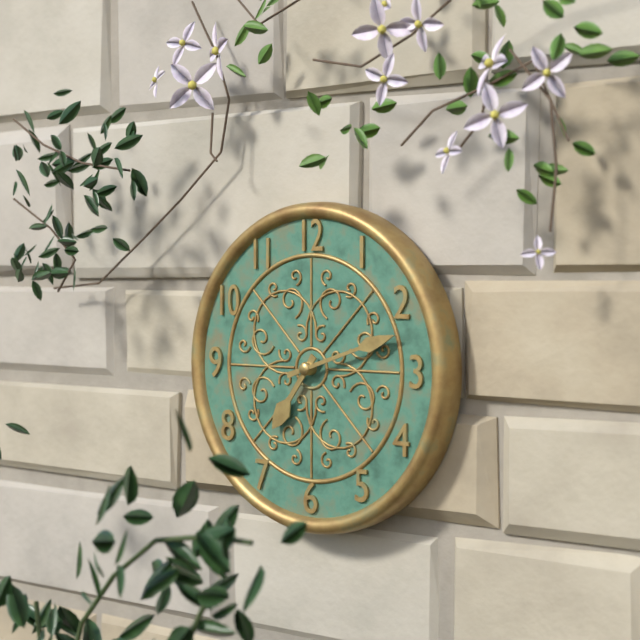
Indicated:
7.12
